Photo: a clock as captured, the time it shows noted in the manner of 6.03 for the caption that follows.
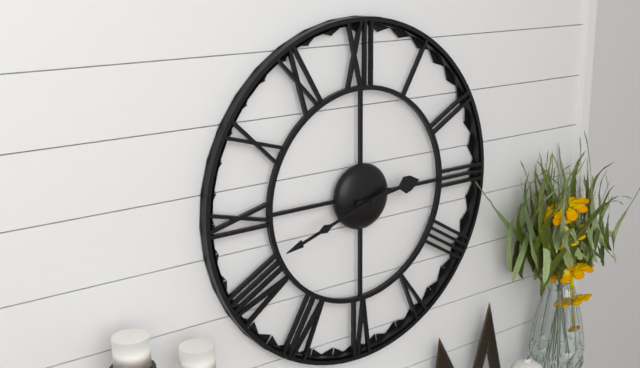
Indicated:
2.42
